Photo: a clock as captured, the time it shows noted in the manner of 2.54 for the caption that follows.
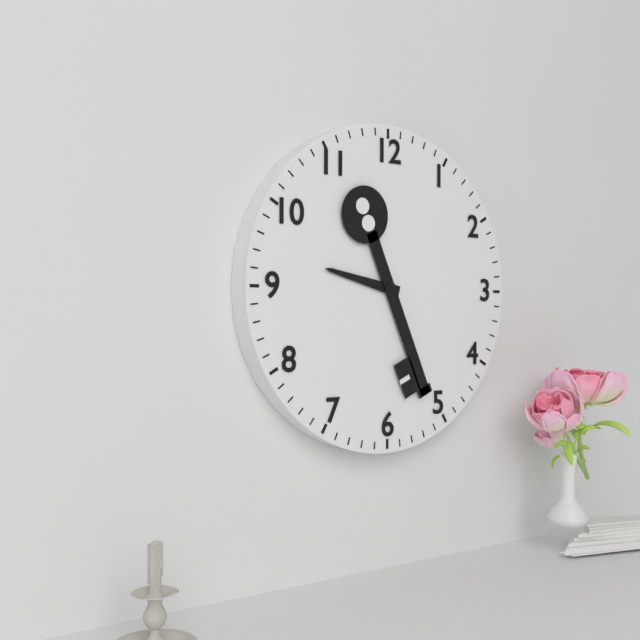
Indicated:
9.26
